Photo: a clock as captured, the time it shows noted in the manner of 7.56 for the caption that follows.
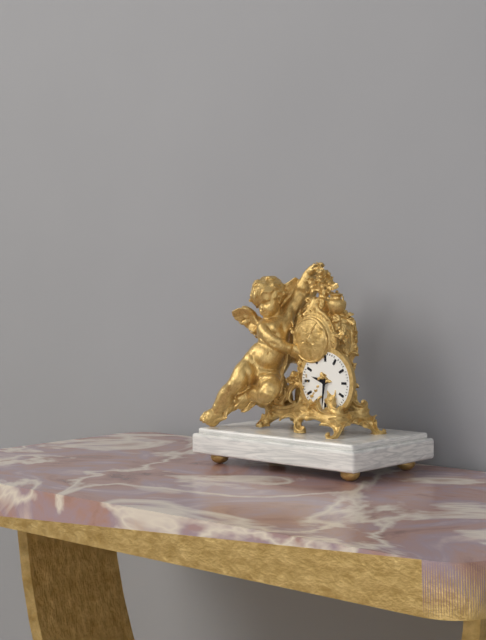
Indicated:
9.31
